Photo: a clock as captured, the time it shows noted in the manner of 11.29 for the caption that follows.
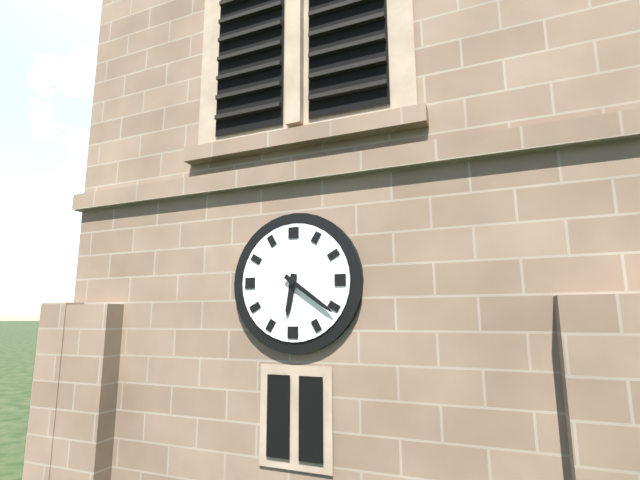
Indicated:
6.21
